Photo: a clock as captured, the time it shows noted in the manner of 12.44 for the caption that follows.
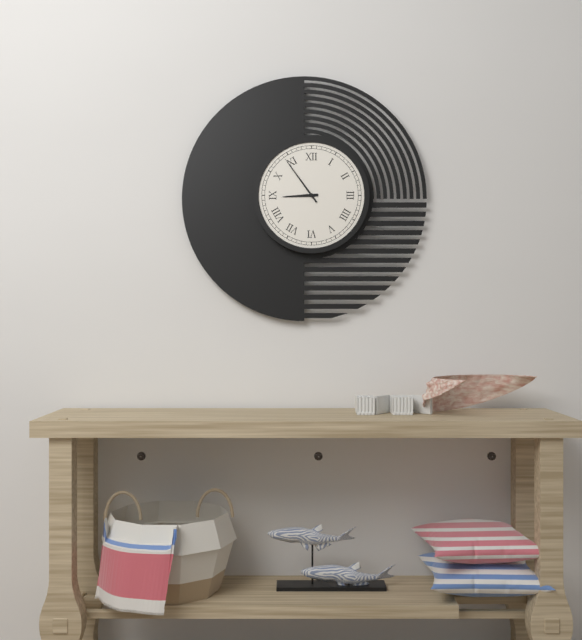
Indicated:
8.54
